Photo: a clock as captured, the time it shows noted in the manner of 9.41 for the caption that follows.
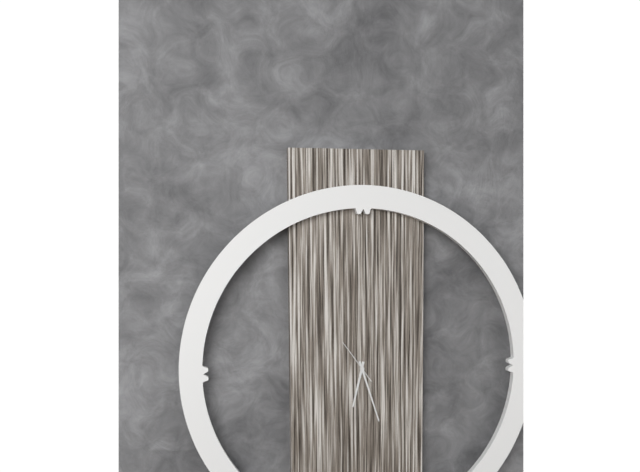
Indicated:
6.27
